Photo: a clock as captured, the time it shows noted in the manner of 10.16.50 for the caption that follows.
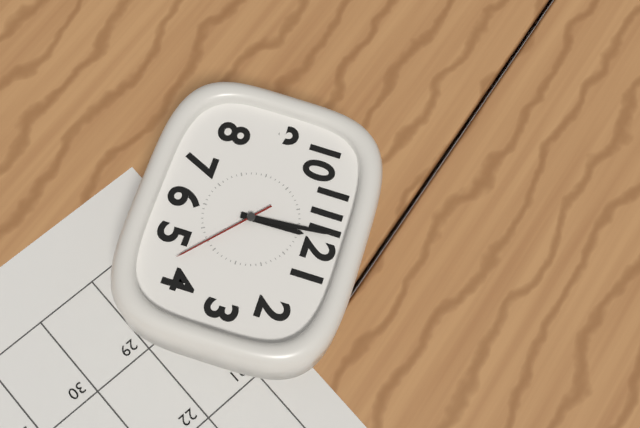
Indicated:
11.59.22
